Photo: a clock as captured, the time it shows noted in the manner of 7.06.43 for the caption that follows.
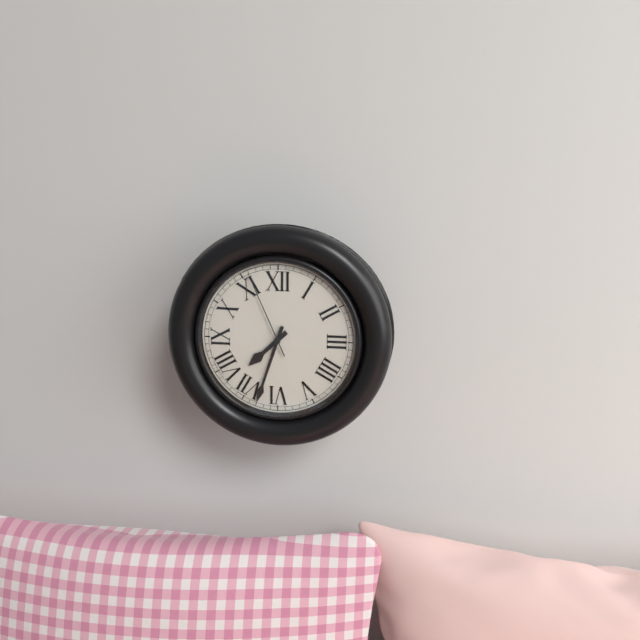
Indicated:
7.33.56
